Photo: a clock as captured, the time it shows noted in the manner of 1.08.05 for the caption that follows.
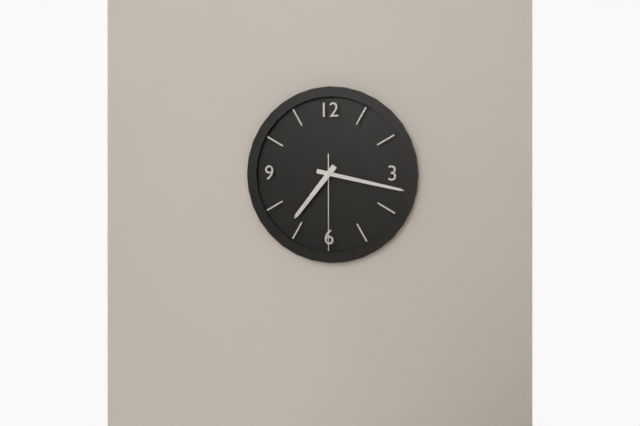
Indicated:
7.17.30
